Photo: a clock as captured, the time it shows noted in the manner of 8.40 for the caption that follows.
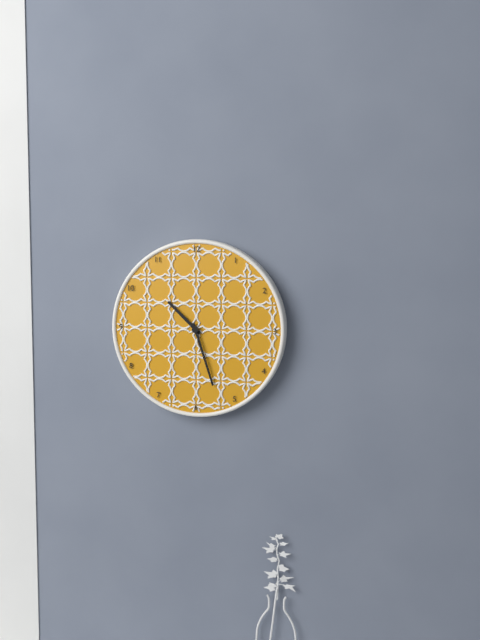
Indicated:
10.27
